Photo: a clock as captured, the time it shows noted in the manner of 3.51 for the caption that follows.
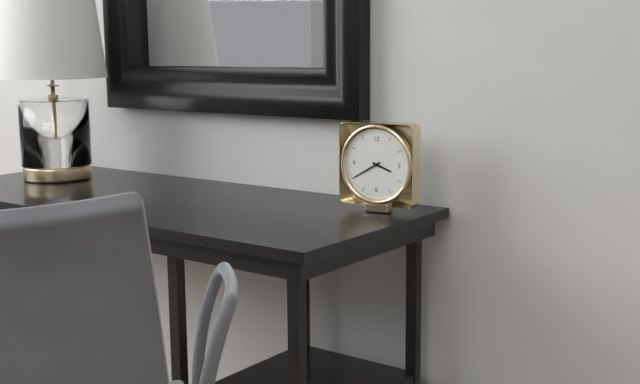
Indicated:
3.40
